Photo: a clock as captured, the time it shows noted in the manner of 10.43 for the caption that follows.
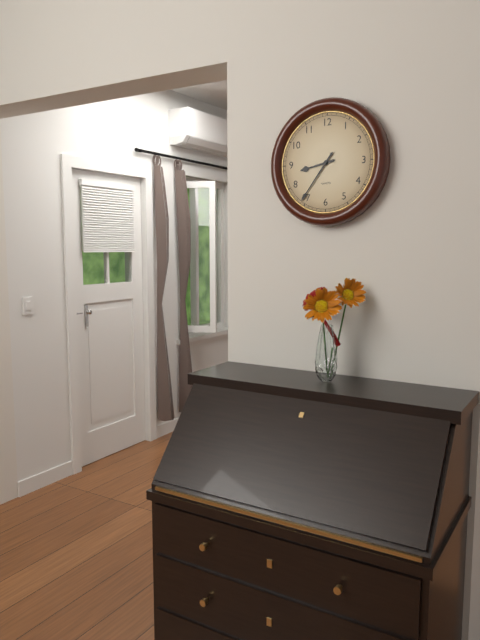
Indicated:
8.36
